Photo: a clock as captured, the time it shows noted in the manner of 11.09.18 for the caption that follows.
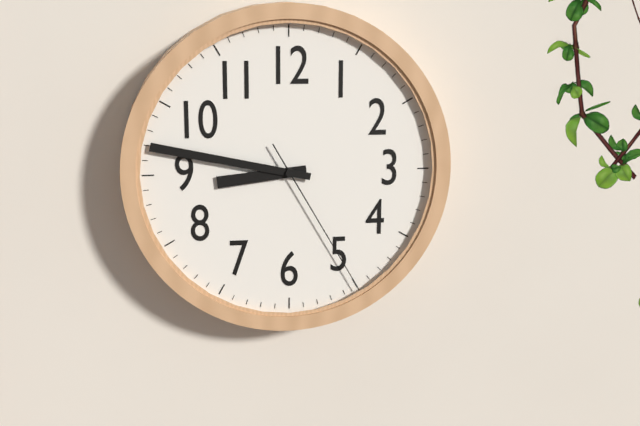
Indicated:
8.47.25
